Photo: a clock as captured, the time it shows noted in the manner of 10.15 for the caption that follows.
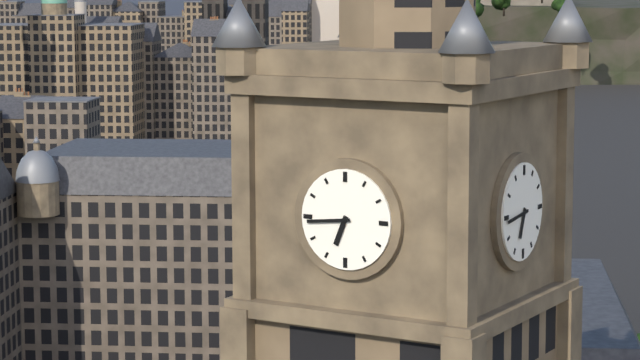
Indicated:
6.44
